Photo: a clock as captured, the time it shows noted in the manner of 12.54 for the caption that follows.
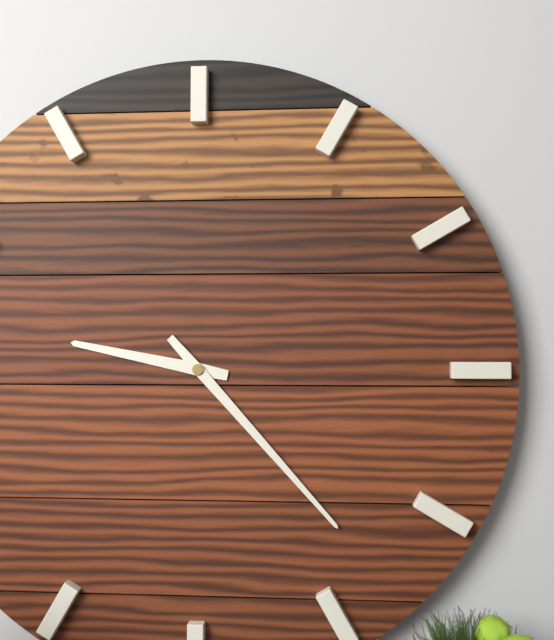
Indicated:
9.23
